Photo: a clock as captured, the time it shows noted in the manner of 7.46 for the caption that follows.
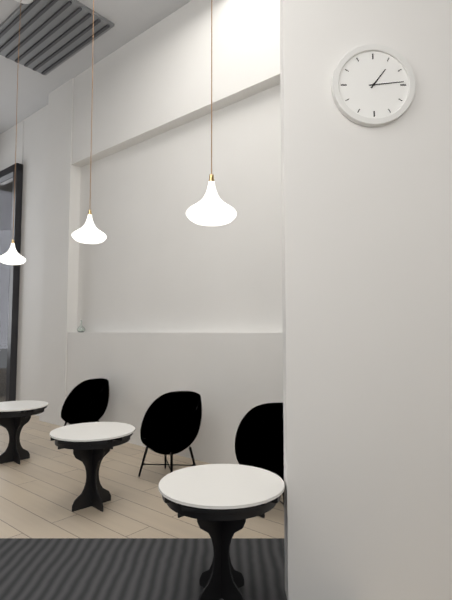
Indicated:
1.14
